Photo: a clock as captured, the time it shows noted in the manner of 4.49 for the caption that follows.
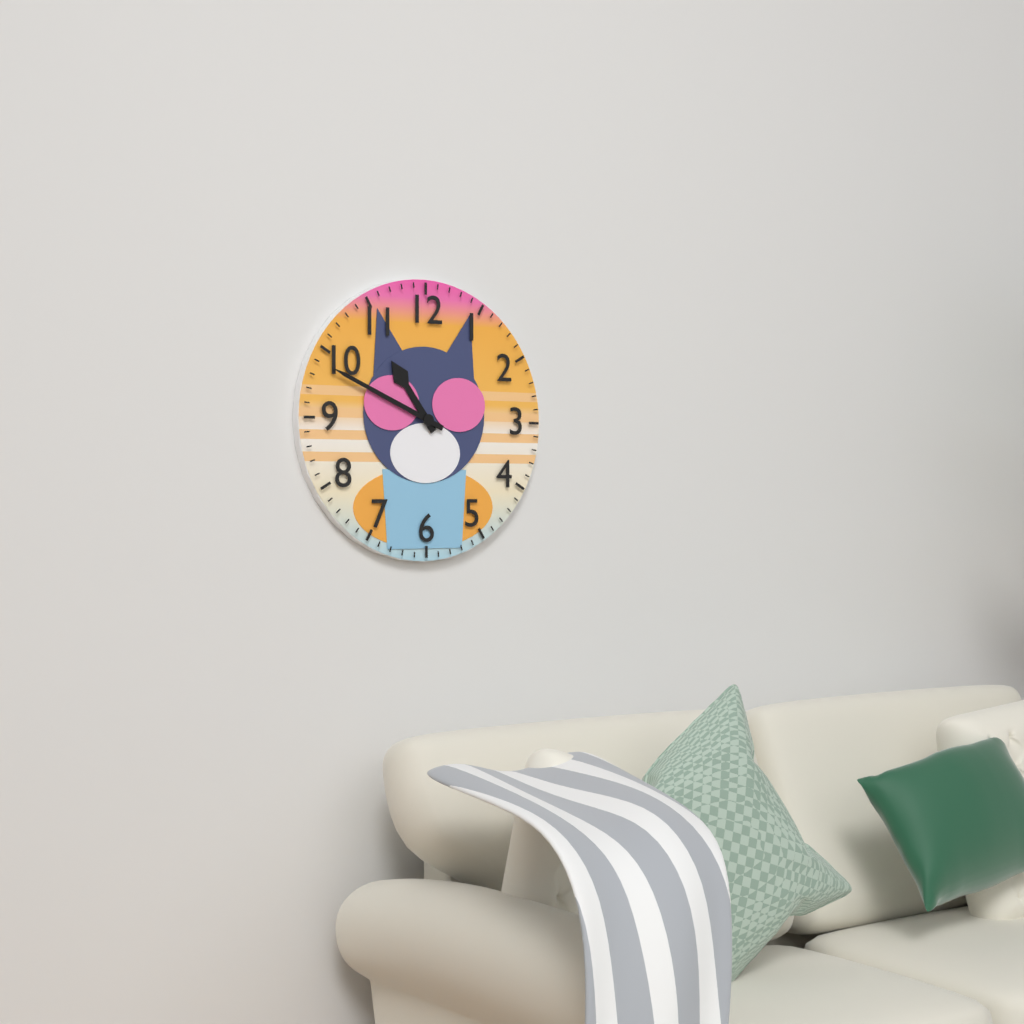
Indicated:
10.49
